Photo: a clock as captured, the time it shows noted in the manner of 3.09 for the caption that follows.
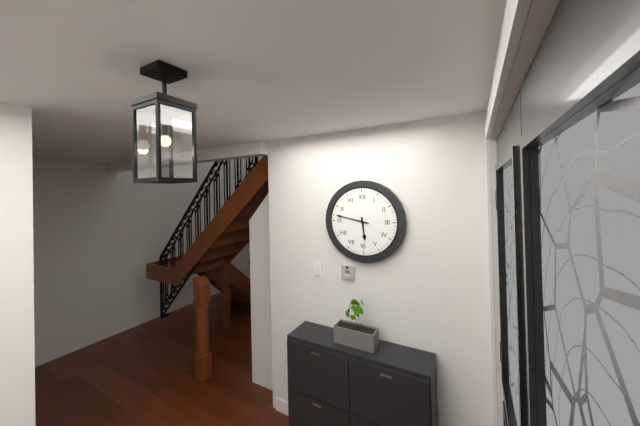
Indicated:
5.47
